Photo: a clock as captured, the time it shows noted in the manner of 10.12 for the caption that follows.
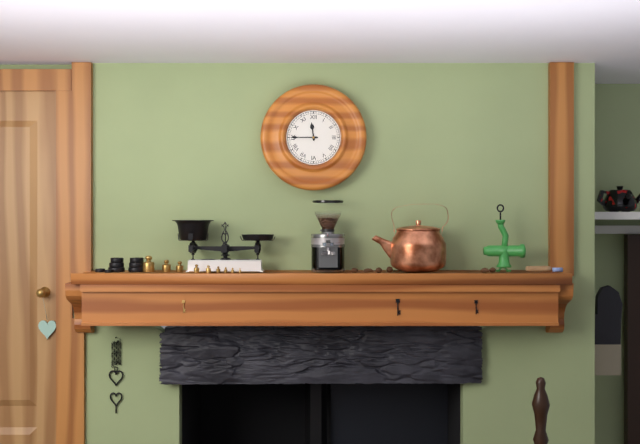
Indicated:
11.45
